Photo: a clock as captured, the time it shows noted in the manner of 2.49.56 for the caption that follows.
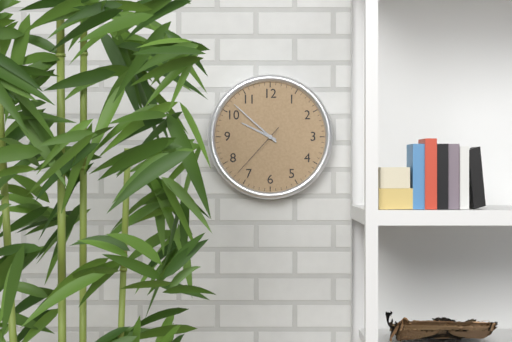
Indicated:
9.52.37
